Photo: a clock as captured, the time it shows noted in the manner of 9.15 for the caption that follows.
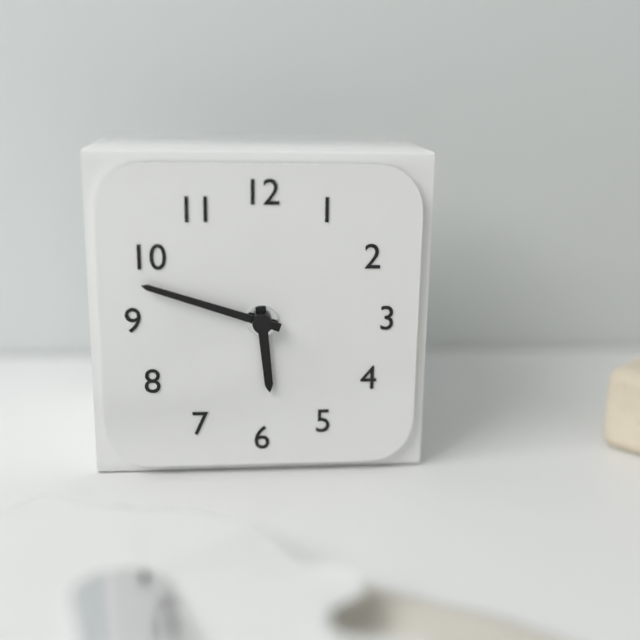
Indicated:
5.48
